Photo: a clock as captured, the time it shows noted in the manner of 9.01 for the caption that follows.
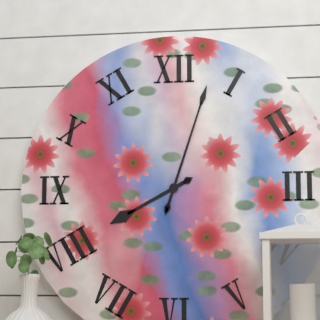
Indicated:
8.03
